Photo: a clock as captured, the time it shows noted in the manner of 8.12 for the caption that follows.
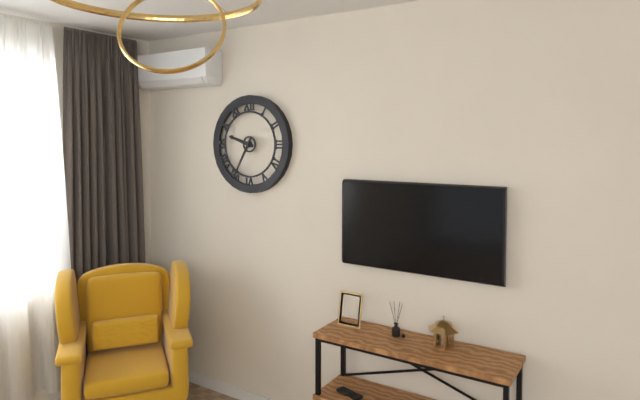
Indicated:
9.35
